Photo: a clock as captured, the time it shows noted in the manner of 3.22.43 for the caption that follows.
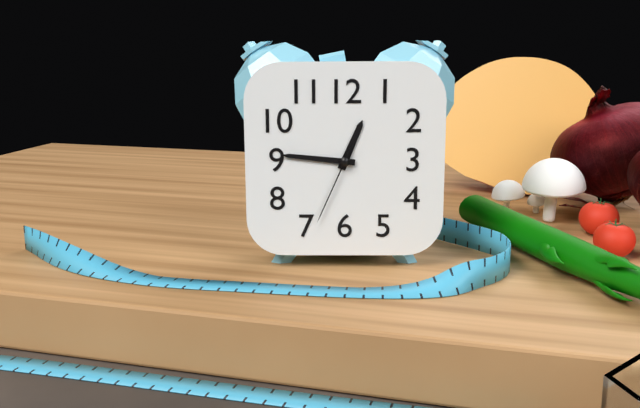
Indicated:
12.46.34
